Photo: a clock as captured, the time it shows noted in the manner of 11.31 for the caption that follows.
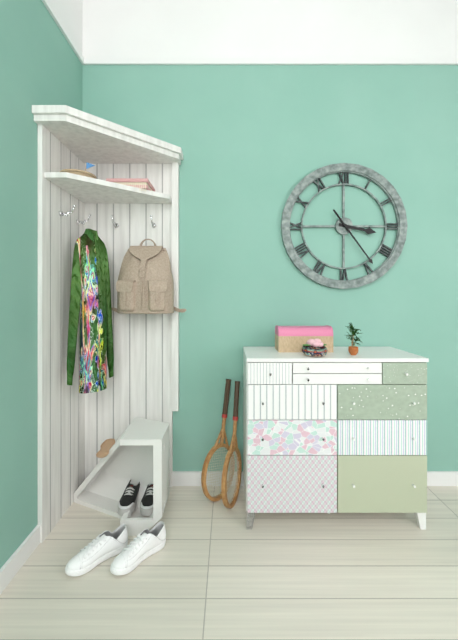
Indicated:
3.24
